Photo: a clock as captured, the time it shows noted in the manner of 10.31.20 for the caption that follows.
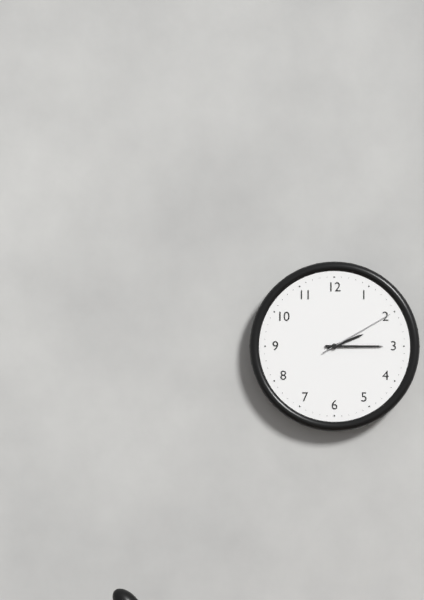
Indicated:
2.15.10
